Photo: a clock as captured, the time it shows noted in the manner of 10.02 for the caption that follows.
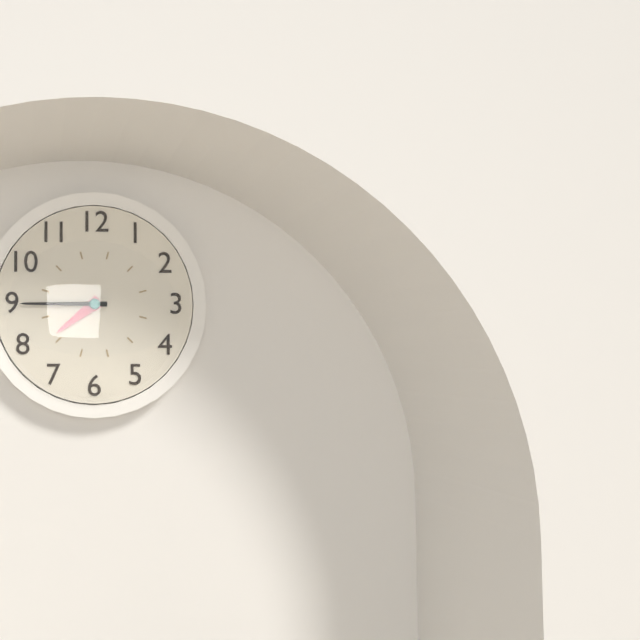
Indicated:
7.45
